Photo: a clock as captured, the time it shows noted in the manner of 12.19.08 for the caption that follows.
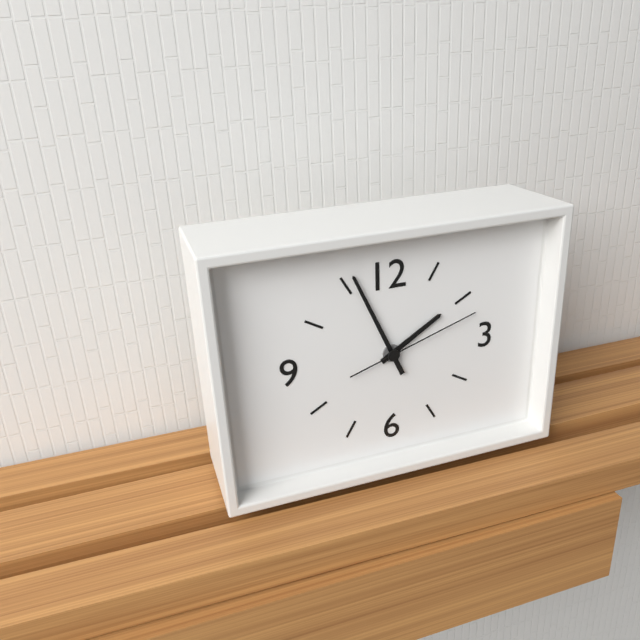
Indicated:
1.56.12
